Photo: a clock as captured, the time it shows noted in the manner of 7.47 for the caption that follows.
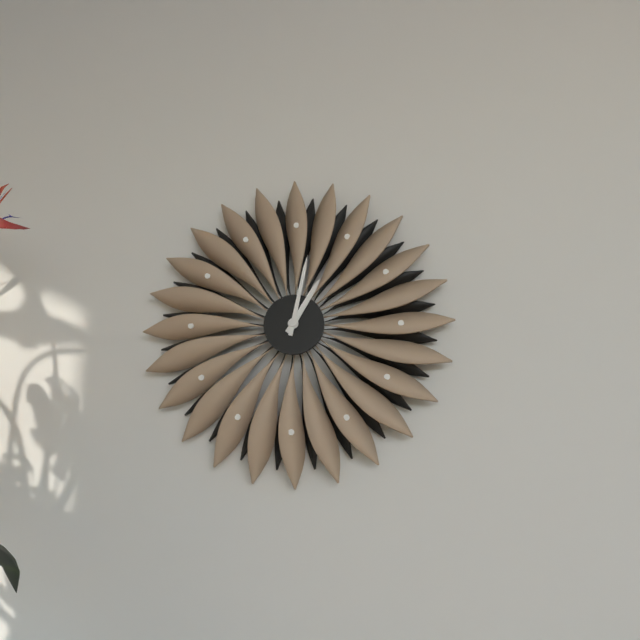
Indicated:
1.02
